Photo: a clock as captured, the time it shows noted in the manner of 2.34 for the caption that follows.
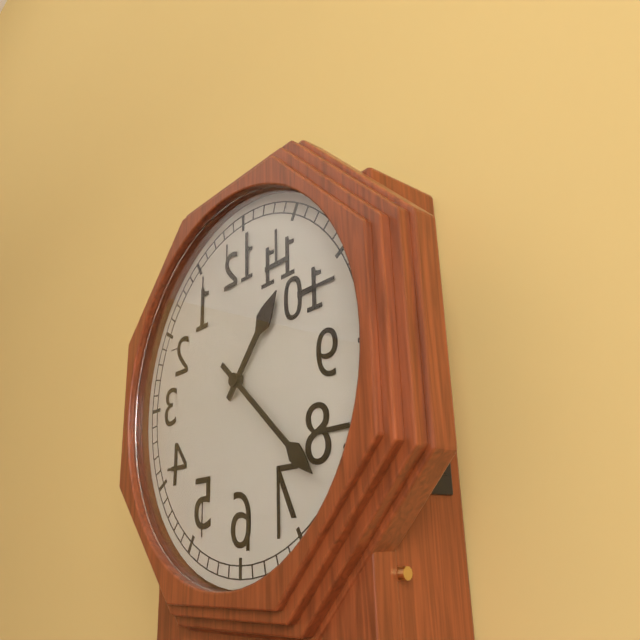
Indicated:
1.22
